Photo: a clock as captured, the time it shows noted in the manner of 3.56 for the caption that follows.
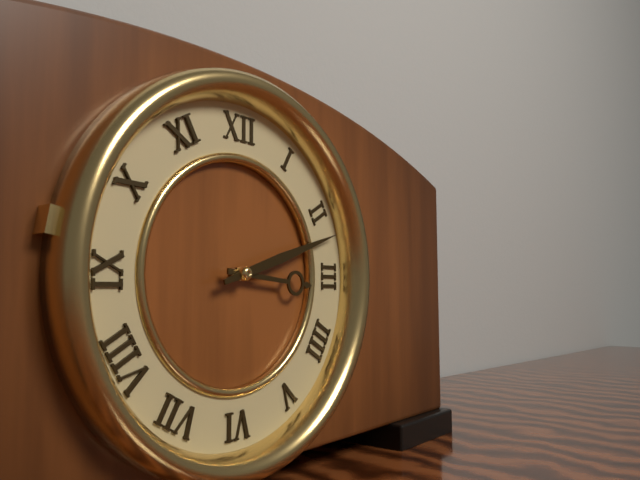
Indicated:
3.12
